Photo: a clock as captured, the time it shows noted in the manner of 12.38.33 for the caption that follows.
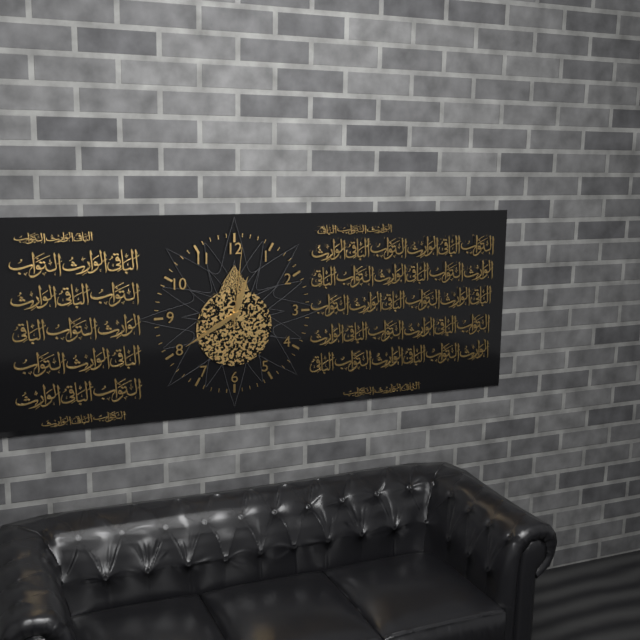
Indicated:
12.40.01
